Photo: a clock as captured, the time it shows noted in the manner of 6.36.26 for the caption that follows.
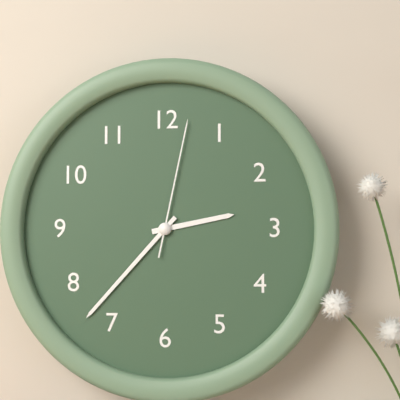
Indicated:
2.37.02
